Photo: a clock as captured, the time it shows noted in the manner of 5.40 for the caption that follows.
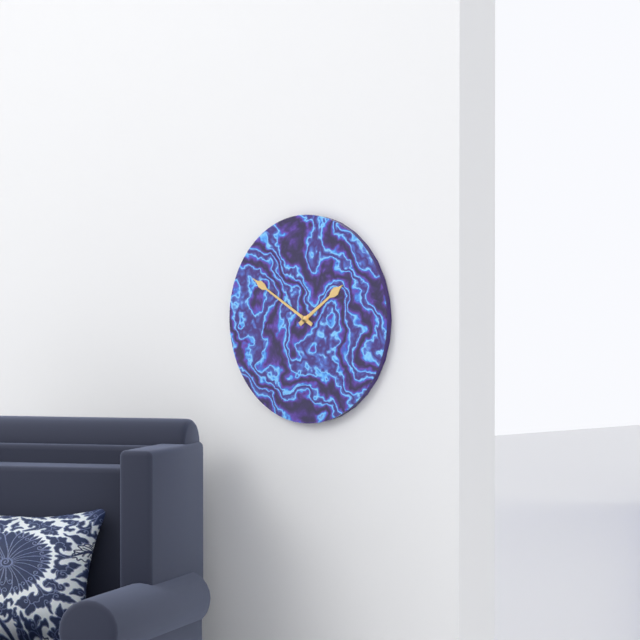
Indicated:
1.50
